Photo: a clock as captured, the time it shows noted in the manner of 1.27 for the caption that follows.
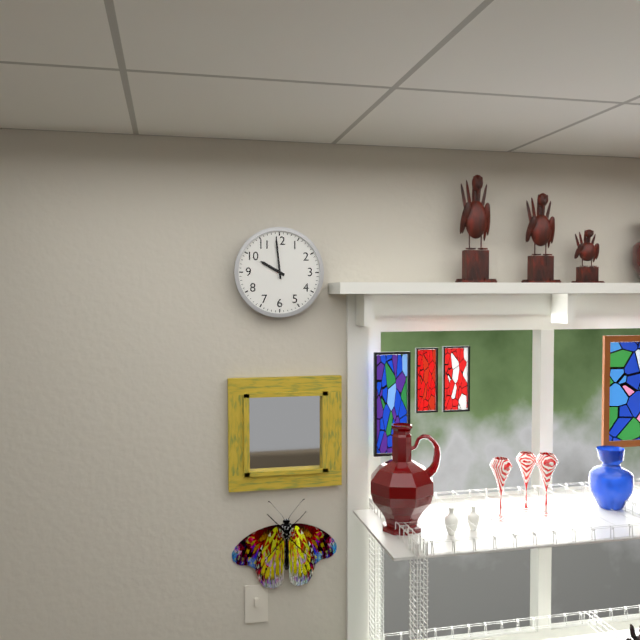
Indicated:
9.59
